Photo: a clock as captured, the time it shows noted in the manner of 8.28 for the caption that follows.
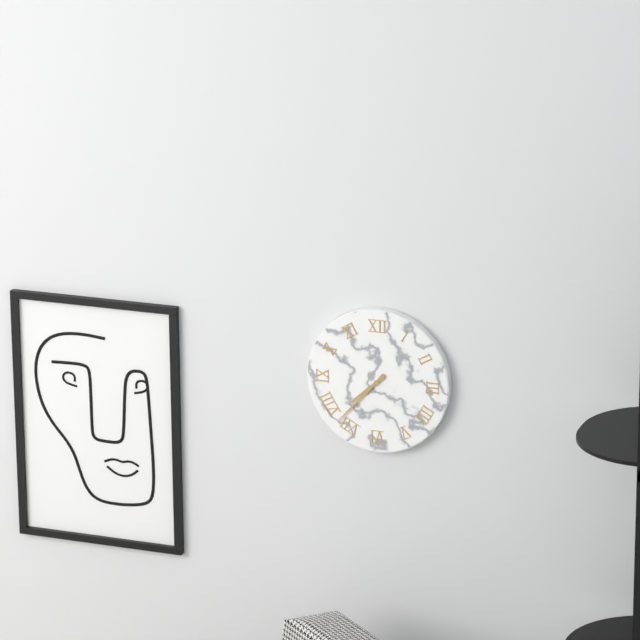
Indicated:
7.37
